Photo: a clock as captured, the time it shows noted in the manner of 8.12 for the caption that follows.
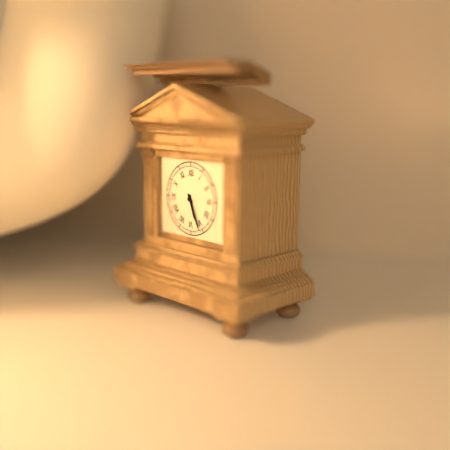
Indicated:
5.26
